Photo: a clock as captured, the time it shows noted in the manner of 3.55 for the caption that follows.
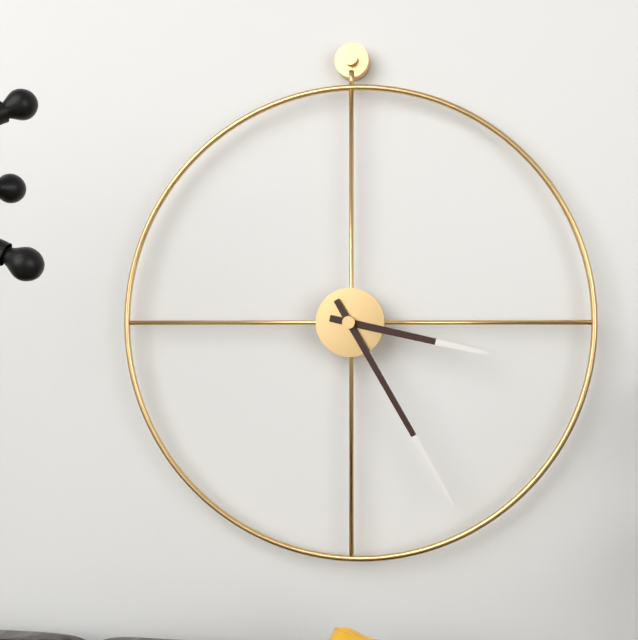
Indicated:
3.25
